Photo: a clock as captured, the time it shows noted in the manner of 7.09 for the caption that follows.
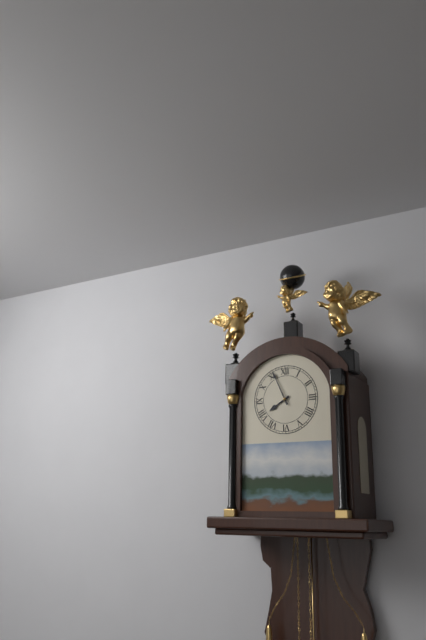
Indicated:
7.56
